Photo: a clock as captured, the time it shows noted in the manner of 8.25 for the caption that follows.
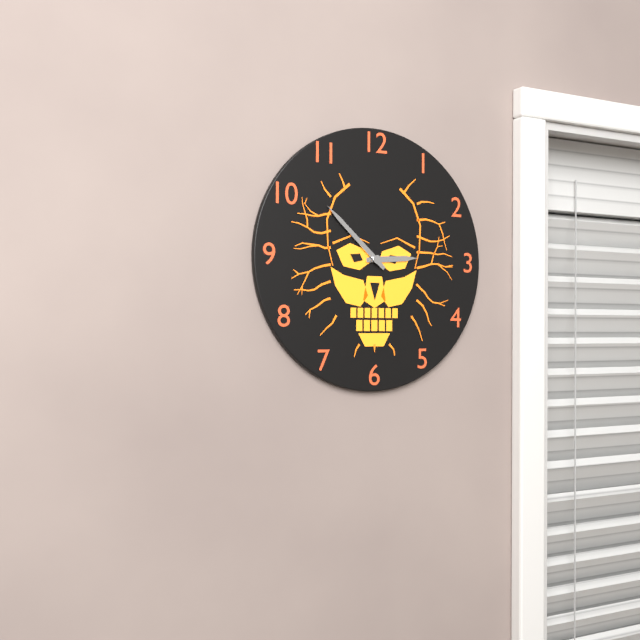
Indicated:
2.52
